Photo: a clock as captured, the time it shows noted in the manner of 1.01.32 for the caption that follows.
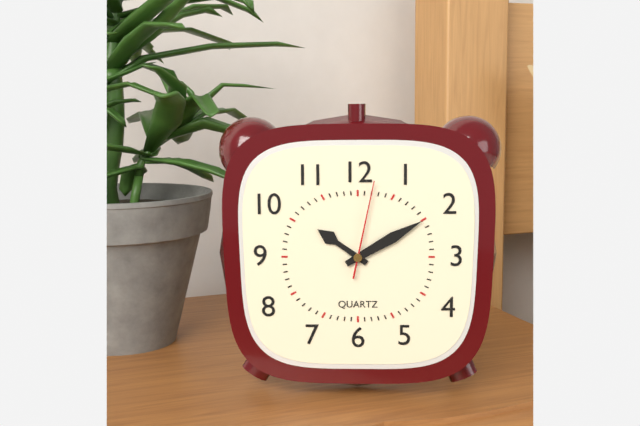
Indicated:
10.10.02
